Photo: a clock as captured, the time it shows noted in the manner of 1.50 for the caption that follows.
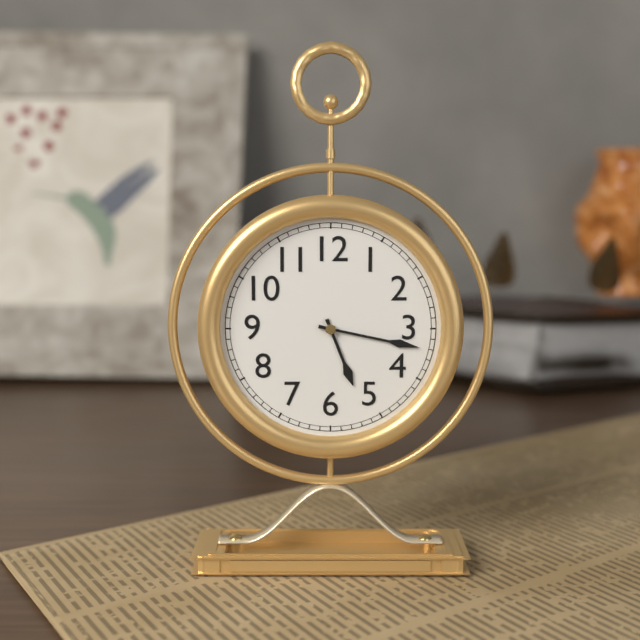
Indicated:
5.17
